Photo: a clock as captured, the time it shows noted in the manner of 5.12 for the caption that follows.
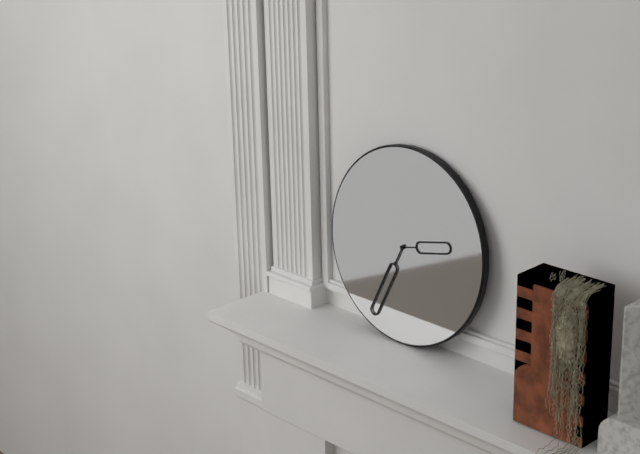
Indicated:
2.34
